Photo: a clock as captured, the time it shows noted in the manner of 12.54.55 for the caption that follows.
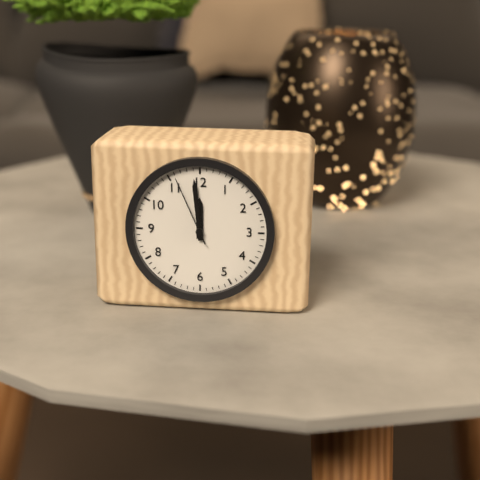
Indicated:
11.59.56
